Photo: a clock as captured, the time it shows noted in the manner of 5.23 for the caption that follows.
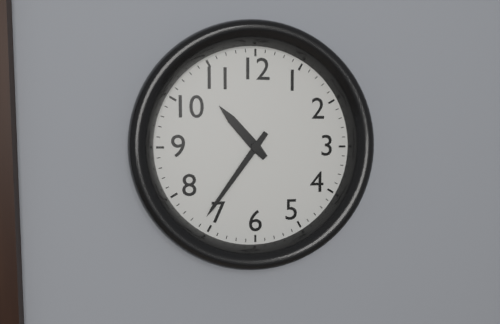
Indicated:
10.36
